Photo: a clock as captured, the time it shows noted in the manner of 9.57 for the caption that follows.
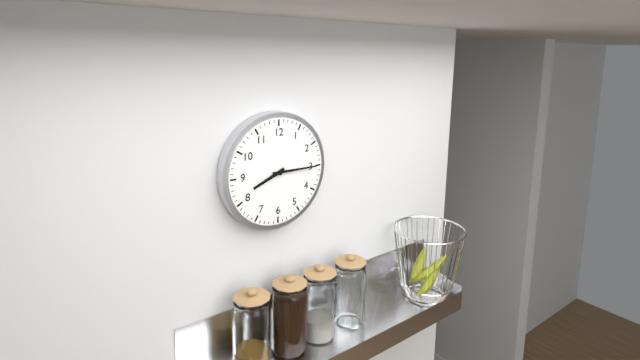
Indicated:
8.15
